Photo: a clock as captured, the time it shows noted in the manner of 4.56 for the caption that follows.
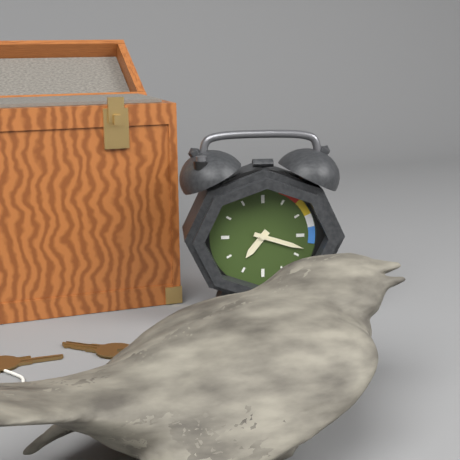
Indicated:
7.18
